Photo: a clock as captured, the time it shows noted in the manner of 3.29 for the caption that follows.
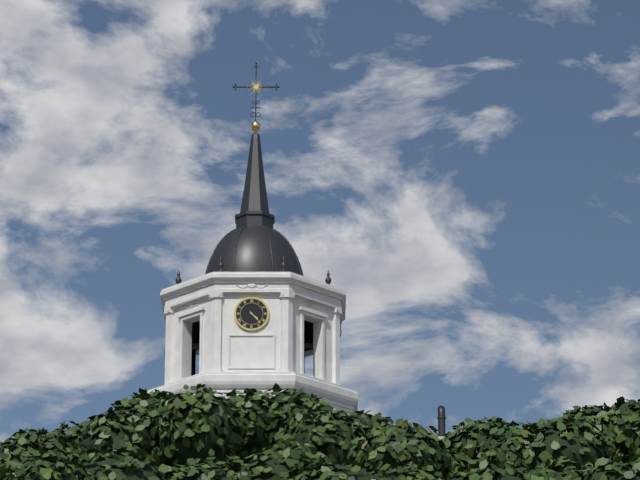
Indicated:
4.23
